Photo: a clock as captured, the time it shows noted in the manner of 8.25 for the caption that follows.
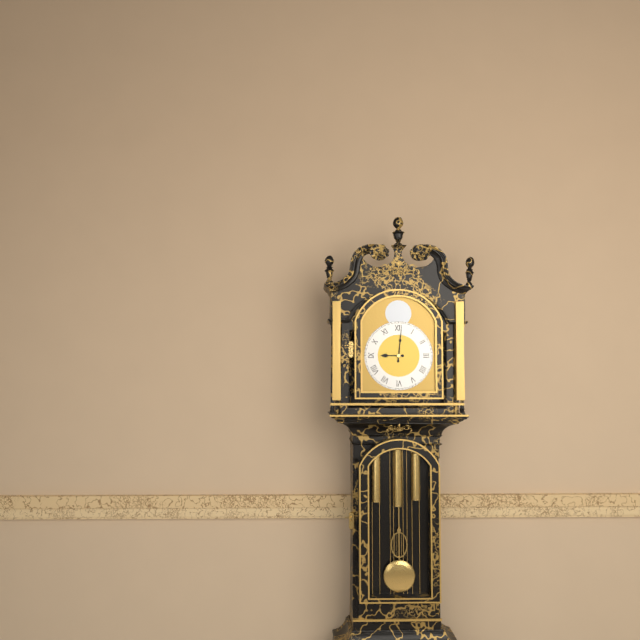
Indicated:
9.01
